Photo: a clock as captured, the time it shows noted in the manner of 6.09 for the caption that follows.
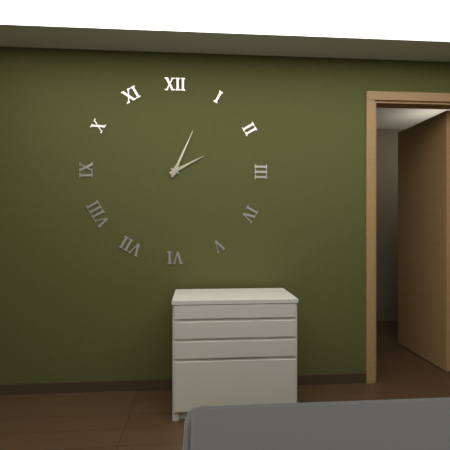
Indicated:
2.04
